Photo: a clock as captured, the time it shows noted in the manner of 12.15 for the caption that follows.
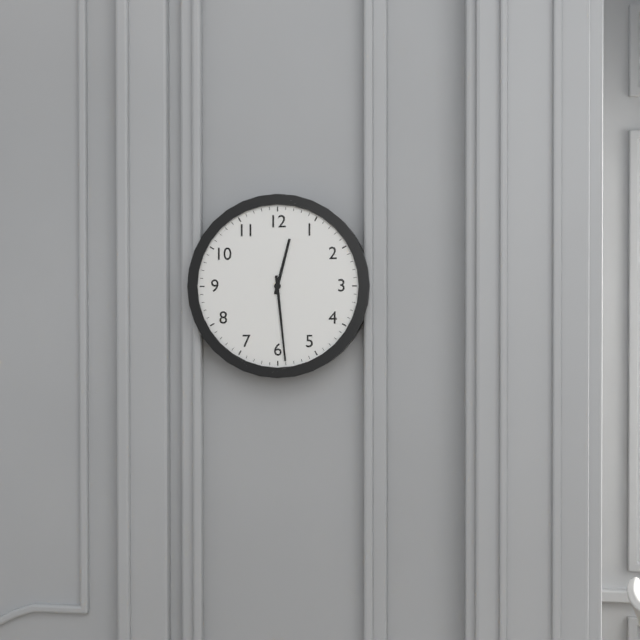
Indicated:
12.29
